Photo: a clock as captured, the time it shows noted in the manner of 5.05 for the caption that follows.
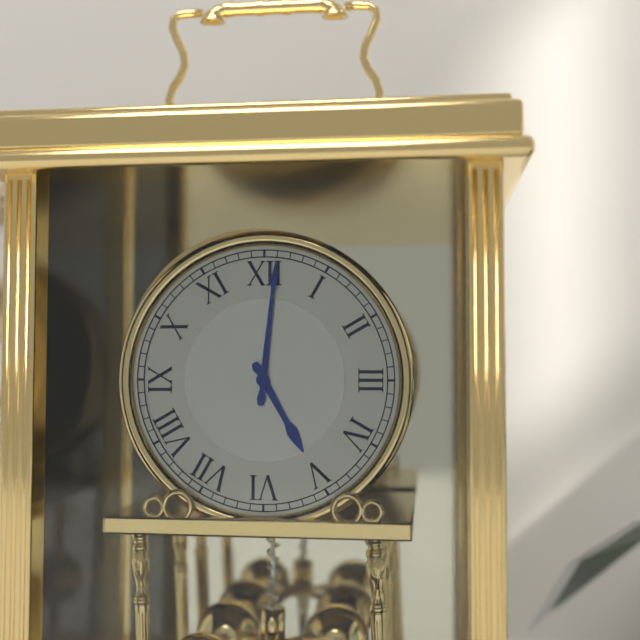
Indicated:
5.01
